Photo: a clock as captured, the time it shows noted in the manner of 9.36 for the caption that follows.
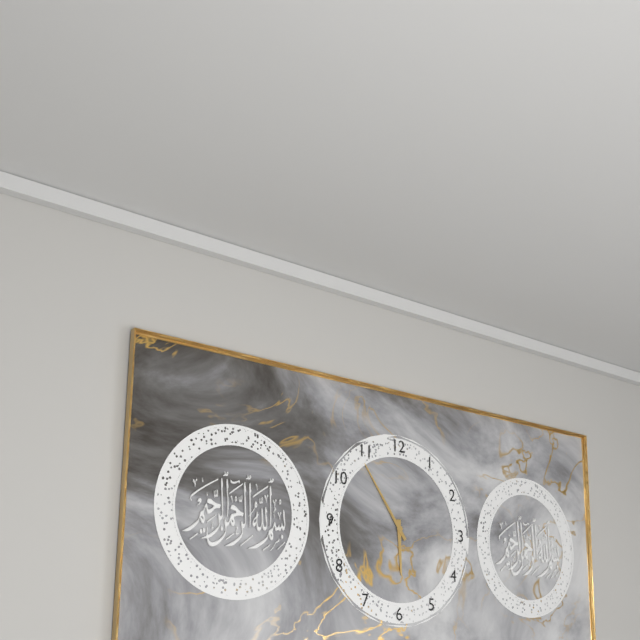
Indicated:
5.54
